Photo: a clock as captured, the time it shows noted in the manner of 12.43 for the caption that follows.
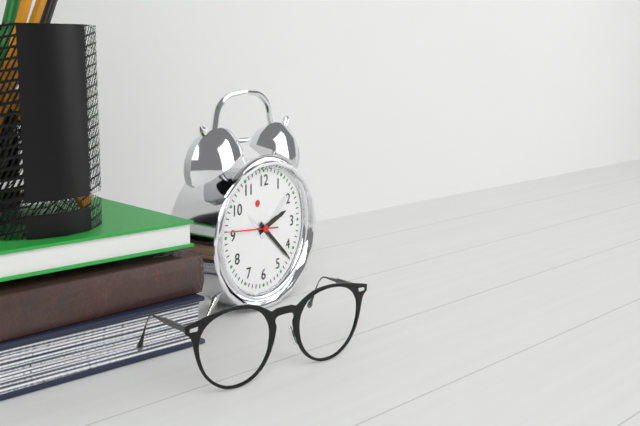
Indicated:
2.22
